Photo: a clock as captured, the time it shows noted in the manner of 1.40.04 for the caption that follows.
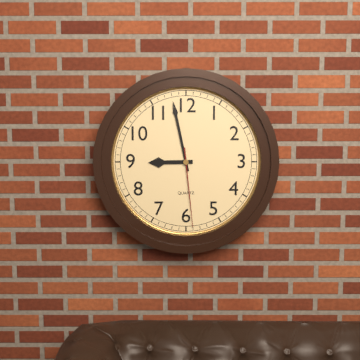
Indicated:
8.58.29
